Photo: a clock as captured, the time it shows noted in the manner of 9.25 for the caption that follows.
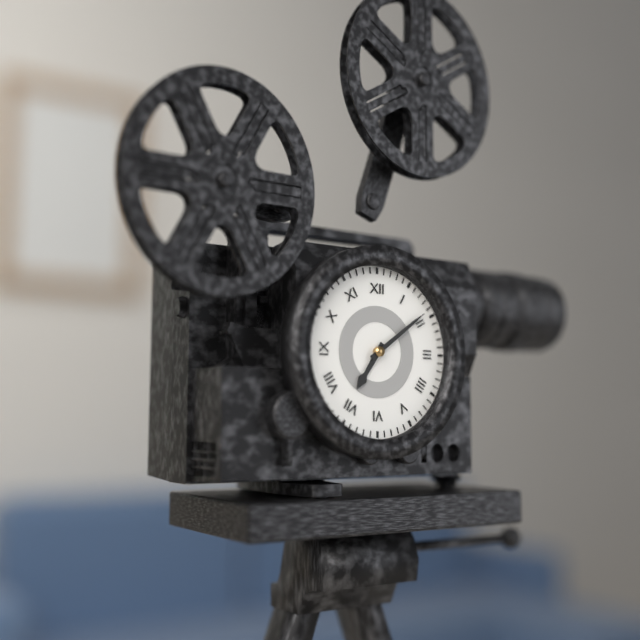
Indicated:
7.09
